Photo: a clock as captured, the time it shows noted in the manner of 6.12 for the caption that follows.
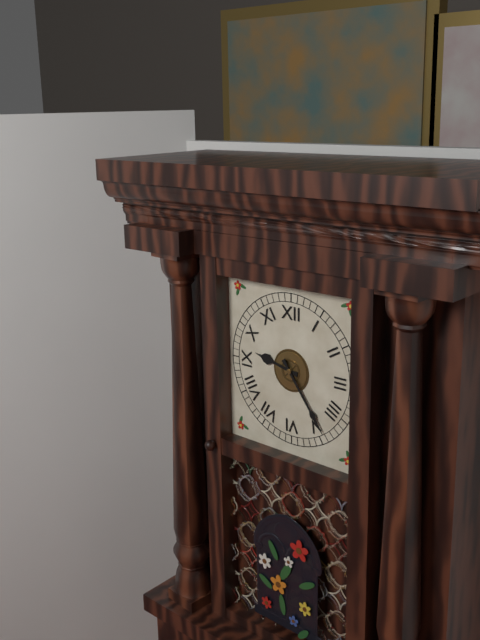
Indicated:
9.24
